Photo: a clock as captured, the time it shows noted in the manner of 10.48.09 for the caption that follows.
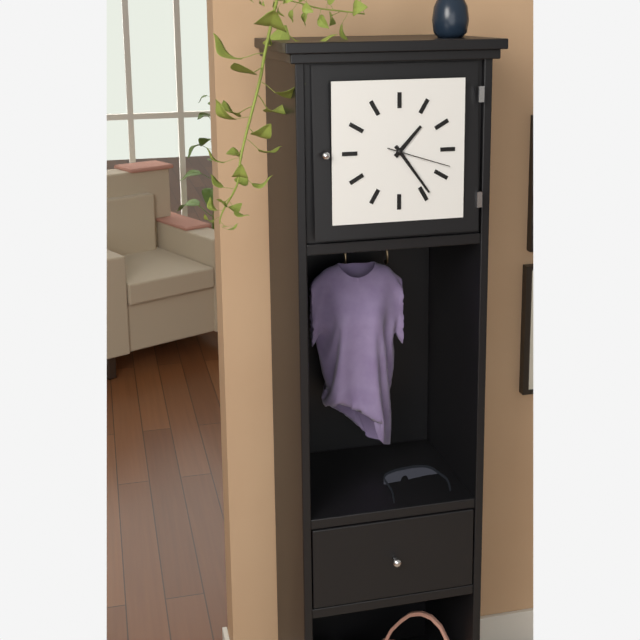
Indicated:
1.24.18
